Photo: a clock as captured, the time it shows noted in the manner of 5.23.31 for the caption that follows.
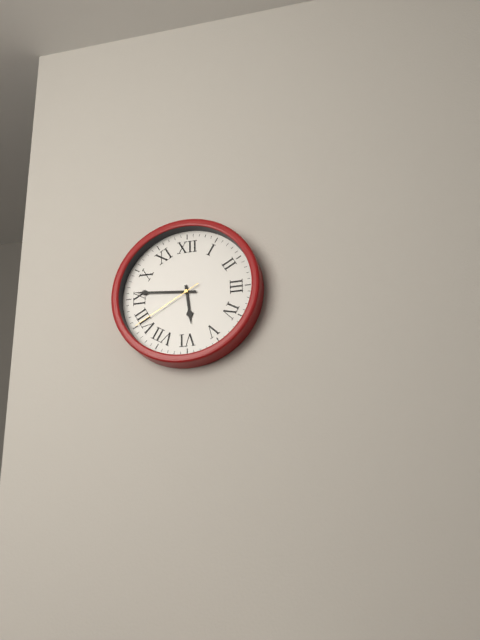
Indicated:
5.46.40
